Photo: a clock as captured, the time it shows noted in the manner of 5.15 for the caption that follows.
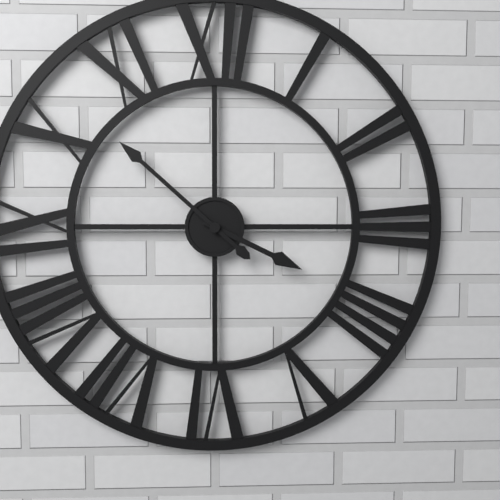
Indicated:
3.52
